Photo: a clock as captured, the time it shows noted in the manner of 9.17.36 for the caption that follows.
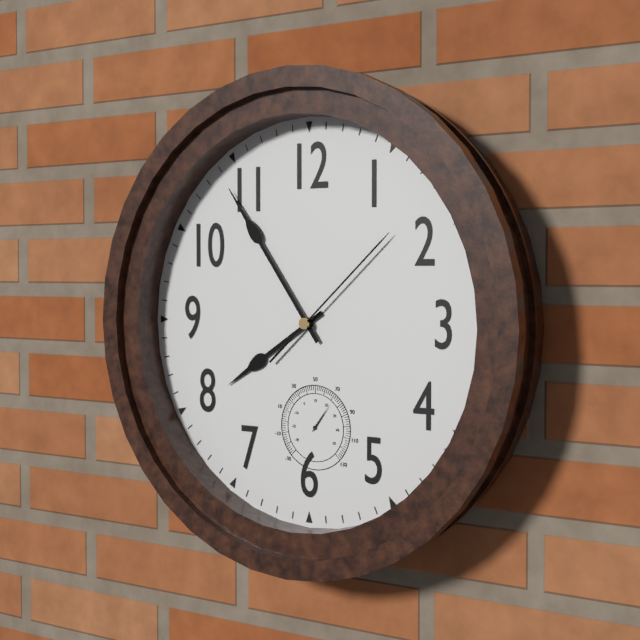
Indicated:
7.54.08
